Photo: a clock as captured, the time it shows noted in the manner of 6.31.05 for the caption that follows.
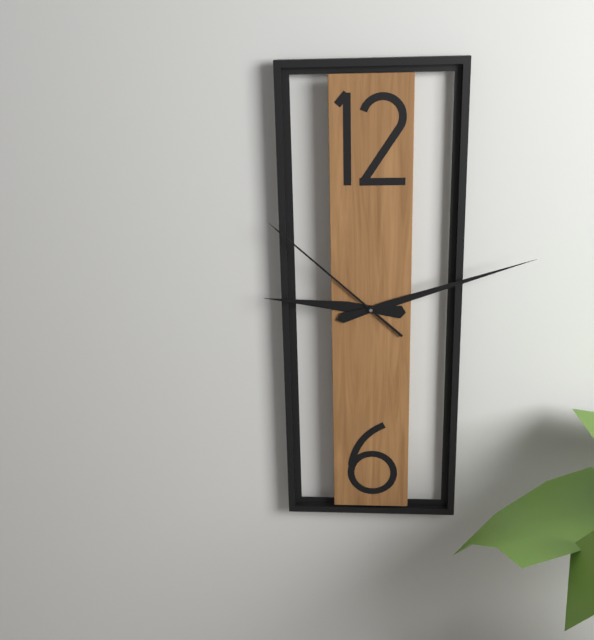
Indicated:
9.12.52
